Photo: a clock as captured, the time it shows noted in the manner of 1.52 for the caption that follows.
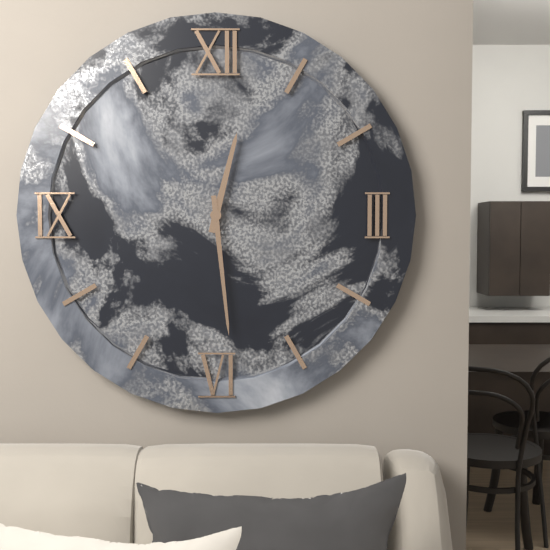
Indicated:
12.29
